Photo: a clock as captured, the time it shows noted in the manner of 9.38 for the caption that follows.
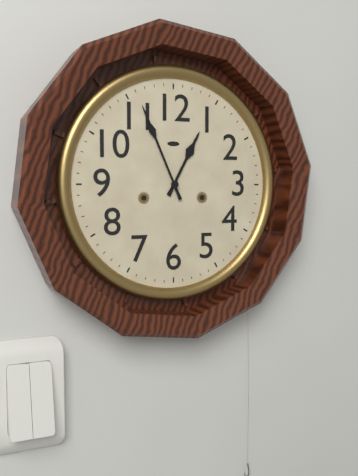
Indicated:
12.56
